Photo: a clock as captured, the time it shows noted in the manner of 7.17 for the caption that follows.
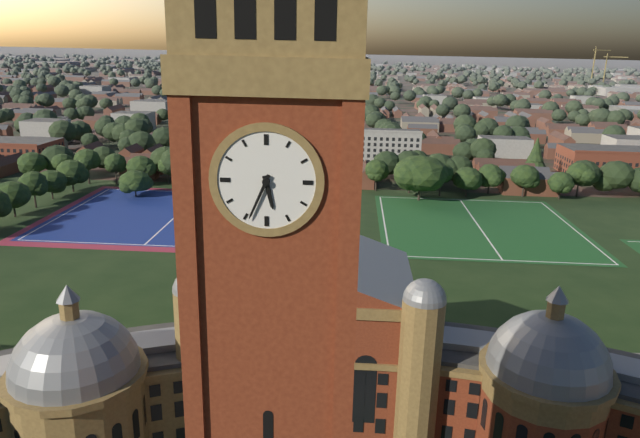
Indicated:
5.34
